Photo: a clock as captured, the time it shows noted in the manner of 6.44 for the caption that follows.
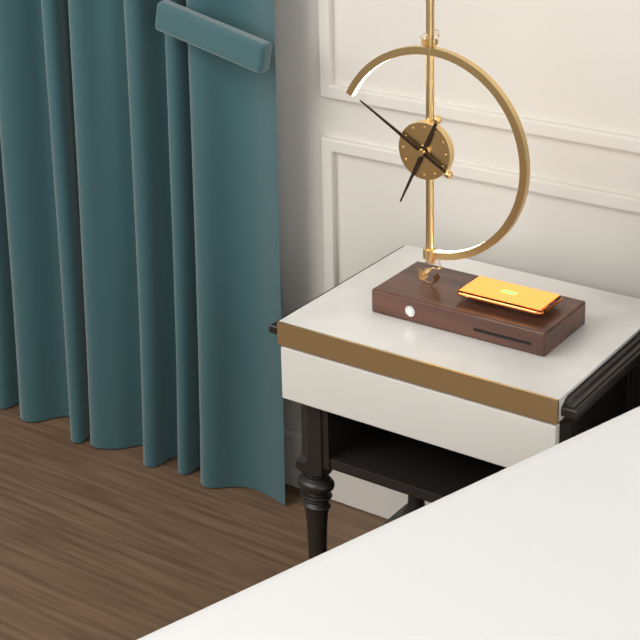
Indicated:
6.50
